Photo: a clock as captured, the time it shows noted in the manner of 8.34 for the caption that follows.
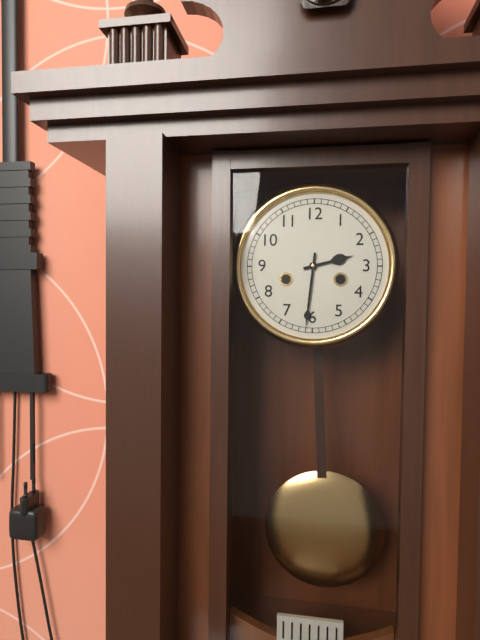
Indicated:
2.31
